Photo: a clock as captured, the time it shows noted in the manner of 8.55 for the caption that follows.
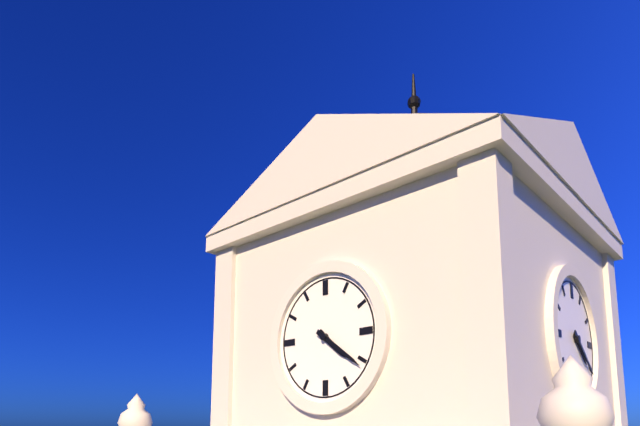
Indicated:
4.21
